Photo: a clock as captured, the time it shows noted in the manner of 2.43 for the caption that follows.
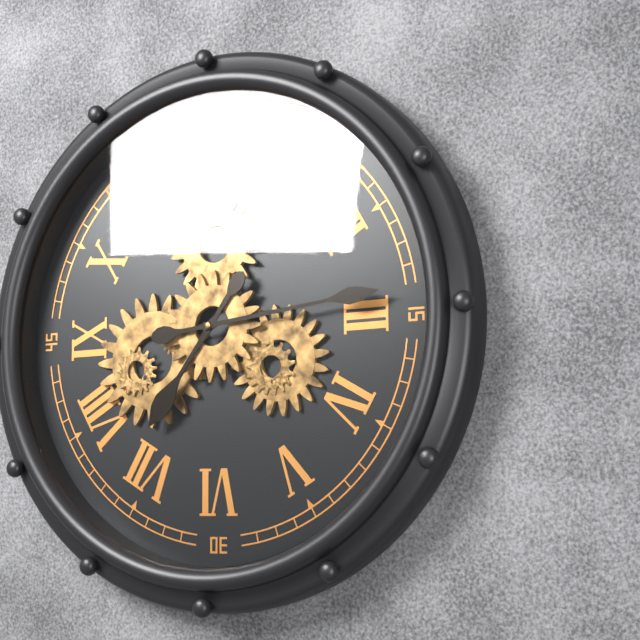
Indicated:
7.14
